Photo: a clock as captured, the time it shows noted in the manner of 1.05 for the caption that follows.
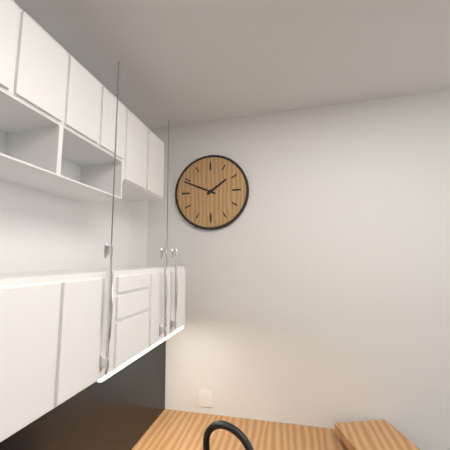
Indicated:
1.49
